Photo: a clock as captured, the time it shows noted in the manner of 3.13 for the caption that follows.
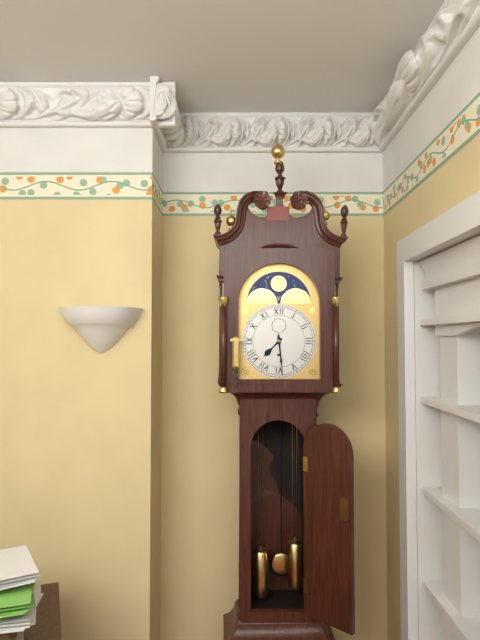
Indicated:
7.29
